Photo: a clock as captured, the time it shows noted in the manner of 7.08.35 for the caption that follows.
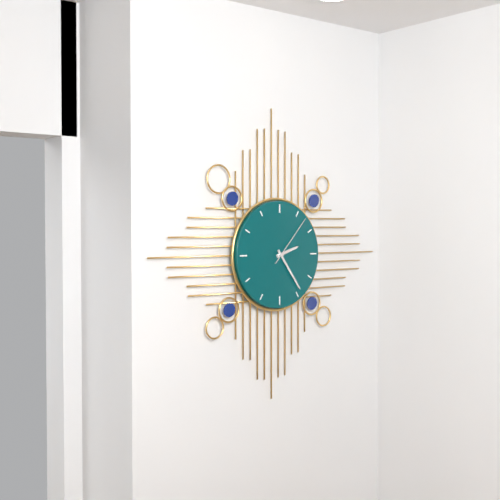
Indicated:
2.24.07
